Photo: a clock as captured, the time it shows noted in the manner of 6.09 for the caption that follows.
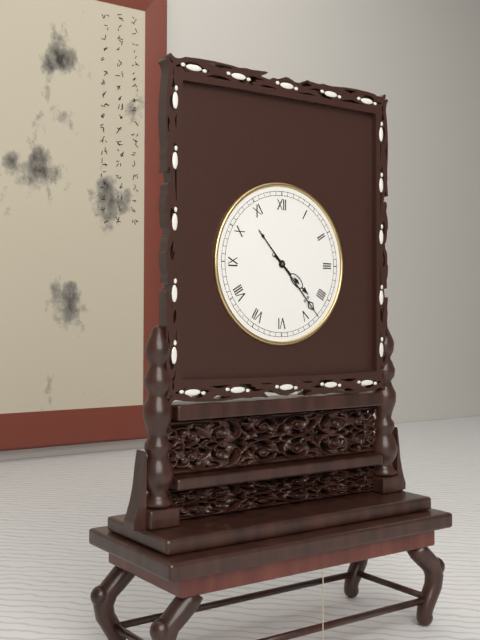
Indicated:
4.23
